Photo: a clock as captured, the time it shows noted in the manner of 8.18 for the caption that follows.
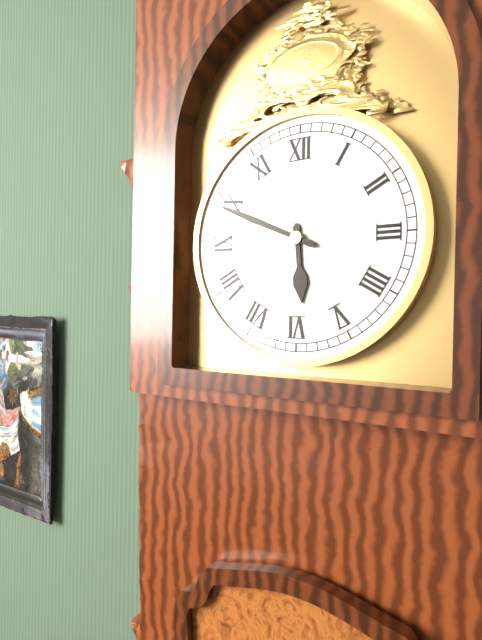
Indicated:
5.49
